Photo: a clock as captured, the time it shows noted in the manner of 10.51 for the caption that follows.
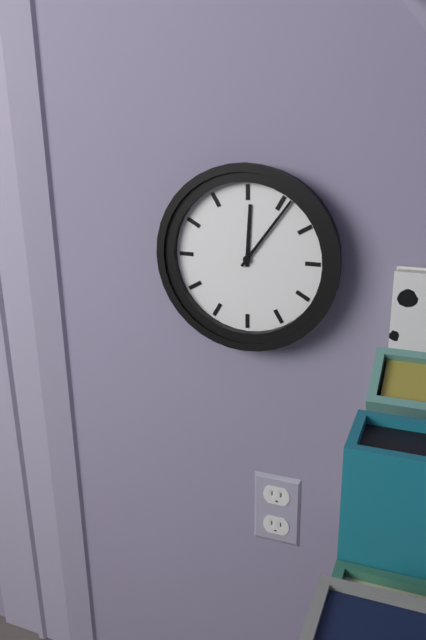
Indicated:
12.06
